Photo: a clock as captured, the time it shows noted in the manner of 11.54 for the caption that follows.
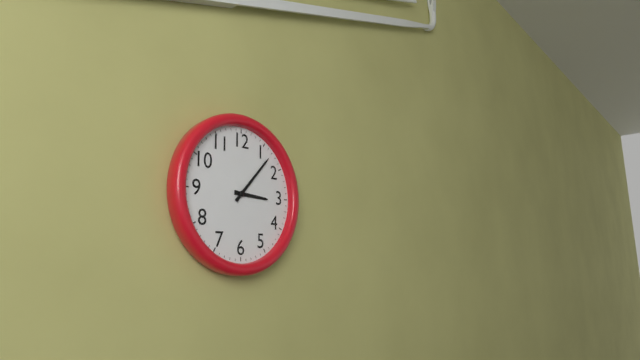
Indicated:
3.07
